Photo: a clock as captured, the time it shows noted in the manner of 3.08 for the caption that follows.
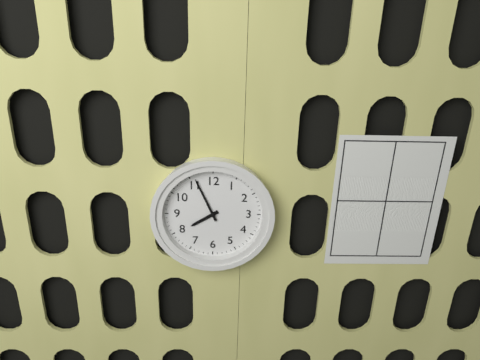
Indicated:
7.56
